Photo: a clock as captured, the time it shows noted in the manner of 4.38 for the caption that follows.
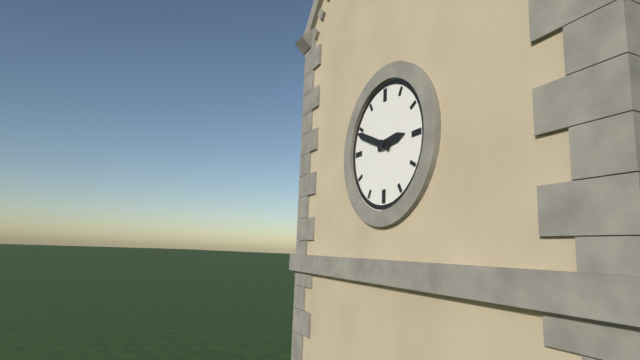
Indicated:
2.49
